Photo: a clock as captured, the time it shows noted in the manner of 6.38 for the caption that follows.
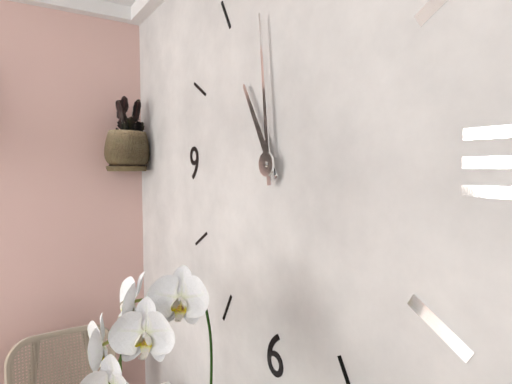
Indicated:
10.59
